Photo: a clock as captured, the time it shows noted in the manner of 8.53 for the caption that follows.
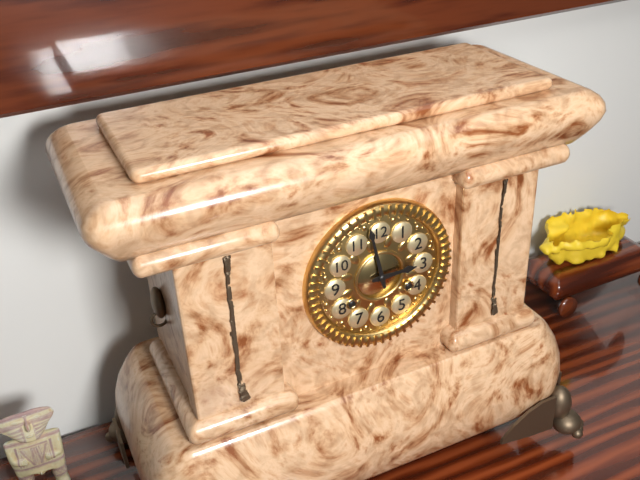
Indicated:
2.58
